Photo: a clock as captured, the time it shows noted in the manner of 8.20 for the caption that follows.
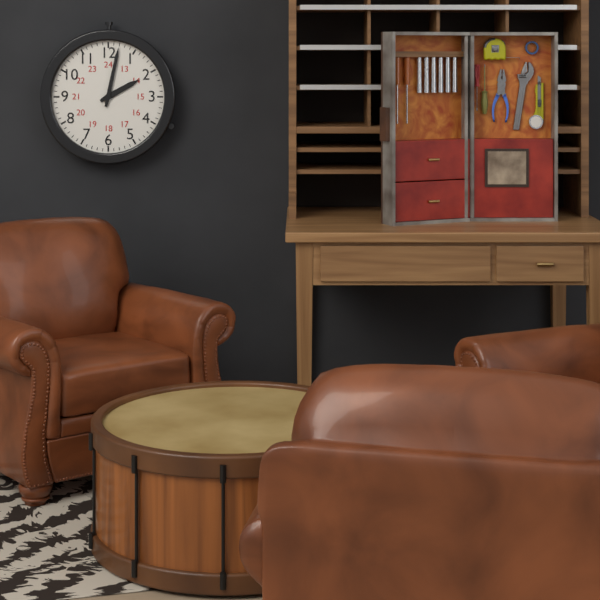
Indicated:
2.02
